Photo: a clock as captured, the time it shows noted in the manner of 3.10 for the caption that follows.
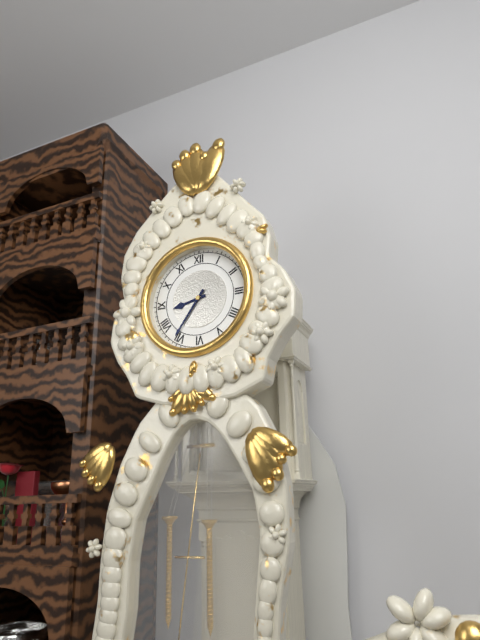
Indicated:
8.36
